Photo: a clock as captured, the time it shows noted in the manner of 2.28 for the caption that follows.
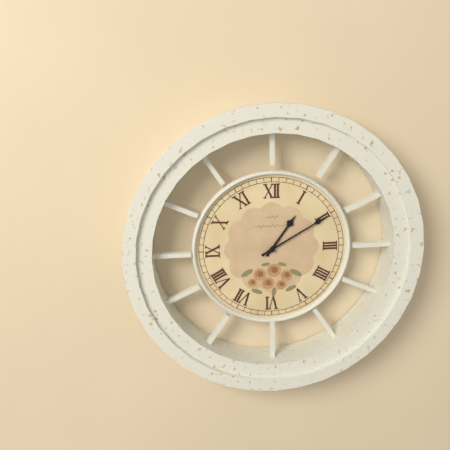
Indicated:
1.10
